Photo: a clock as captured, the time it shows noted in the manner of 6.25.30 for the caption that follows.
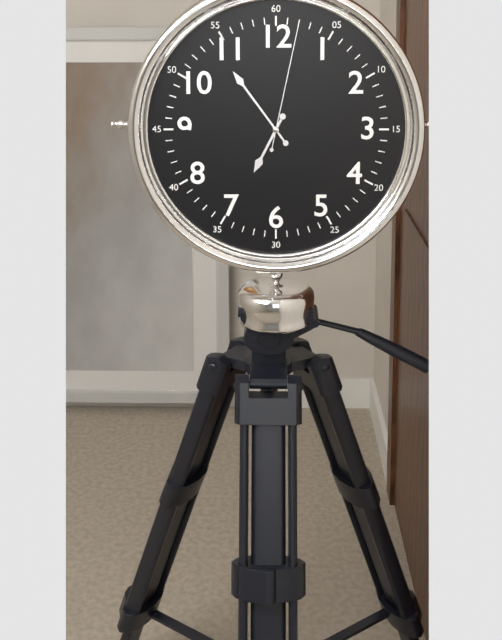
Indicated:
6.54.02
